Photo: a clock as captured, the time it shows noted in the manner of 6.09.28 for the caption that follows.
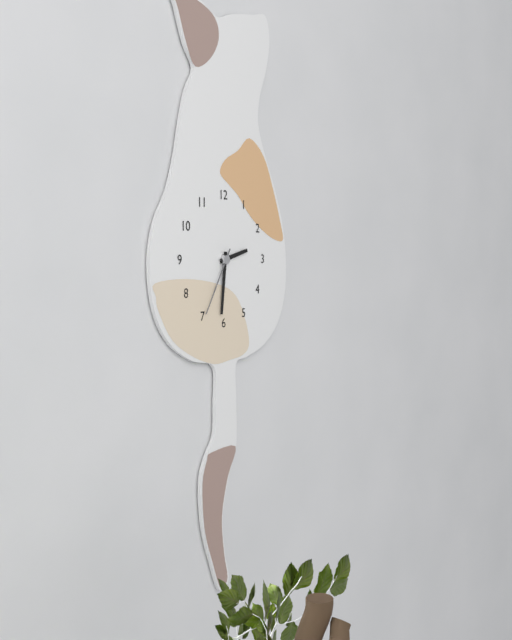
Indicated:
2.31.35
